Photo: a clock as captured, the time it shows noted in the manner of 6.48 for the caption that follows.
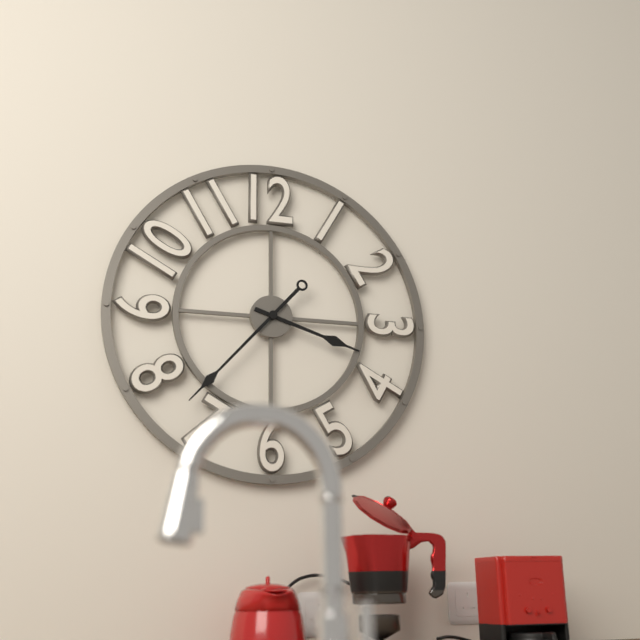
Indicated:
3.37
